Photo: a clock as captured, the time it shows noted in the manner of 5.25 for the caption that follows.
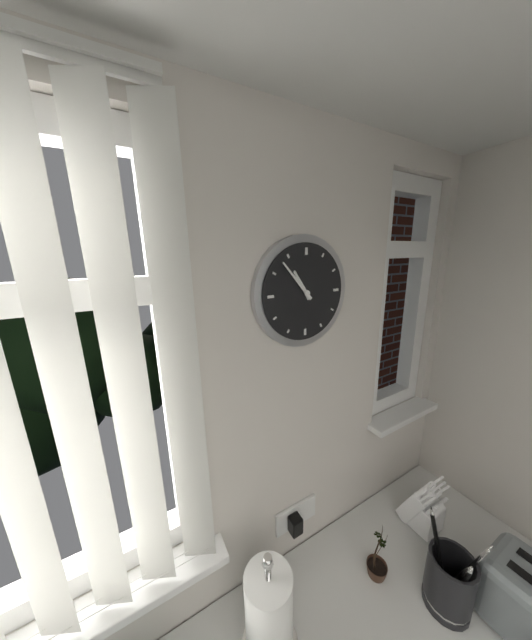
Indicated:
10.53
